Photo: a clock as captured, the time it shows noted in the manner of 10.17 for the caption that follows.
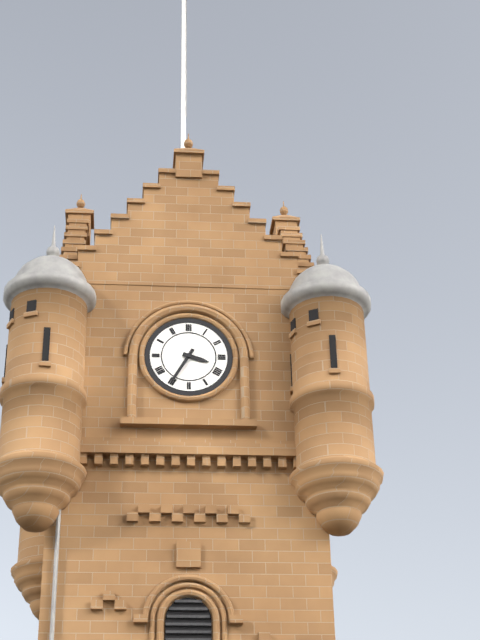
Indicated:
3.35
